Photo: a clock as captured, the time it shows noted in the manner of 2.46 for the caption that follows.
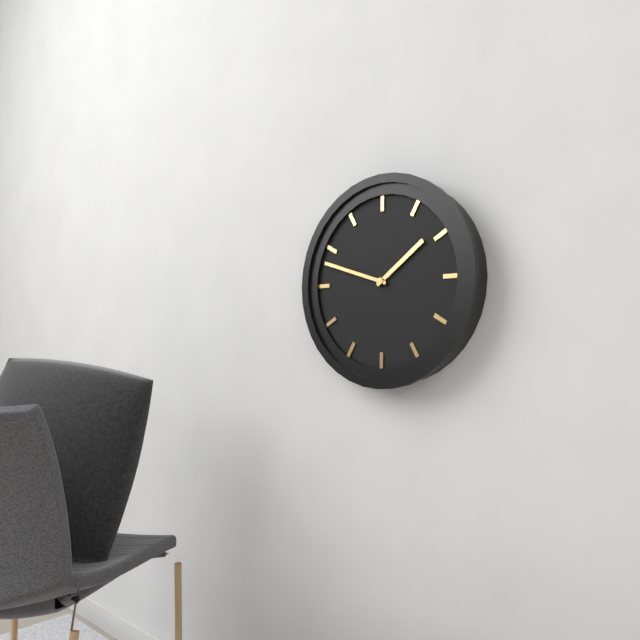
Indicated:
1.48
